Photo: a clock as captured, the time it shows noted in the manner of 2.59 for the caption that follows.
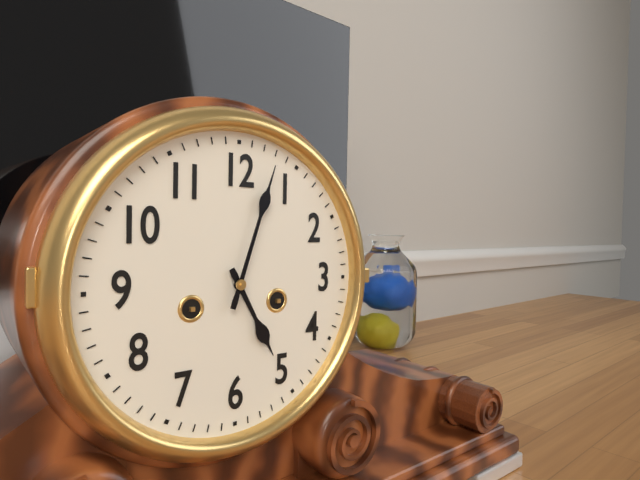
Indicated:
5.03
